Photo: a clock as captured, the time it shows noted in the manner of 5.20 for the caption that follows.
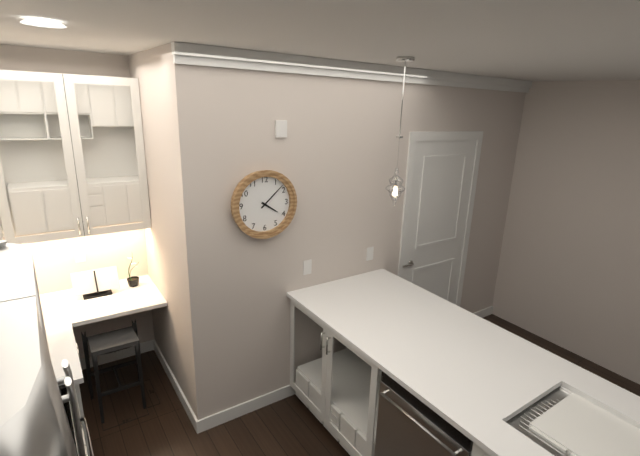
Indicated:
4.08
